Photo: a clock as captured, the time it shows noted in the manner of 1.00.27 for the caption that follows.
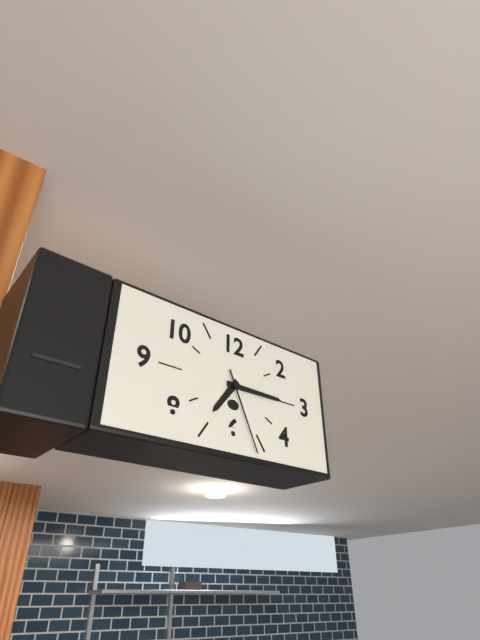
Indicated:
7.15.26
